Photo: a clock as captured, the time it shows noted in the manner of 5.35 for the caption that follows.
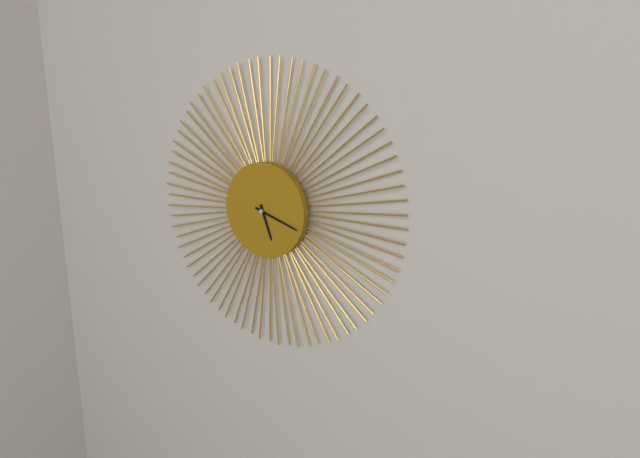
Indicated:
5.18
